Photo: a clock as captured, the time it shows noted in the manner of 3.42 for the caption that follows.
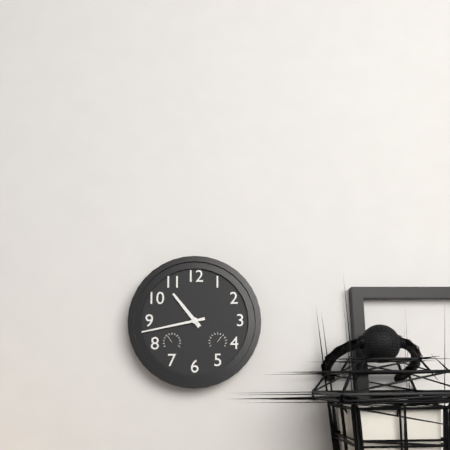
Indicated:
10.43
